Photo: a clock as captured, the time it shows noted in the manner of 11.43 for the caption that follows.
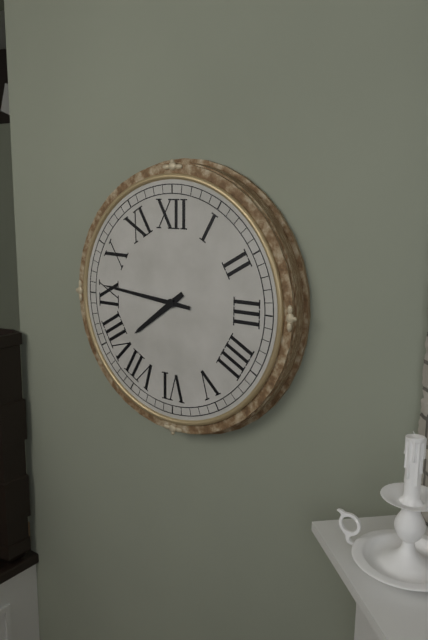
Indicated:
7.46
